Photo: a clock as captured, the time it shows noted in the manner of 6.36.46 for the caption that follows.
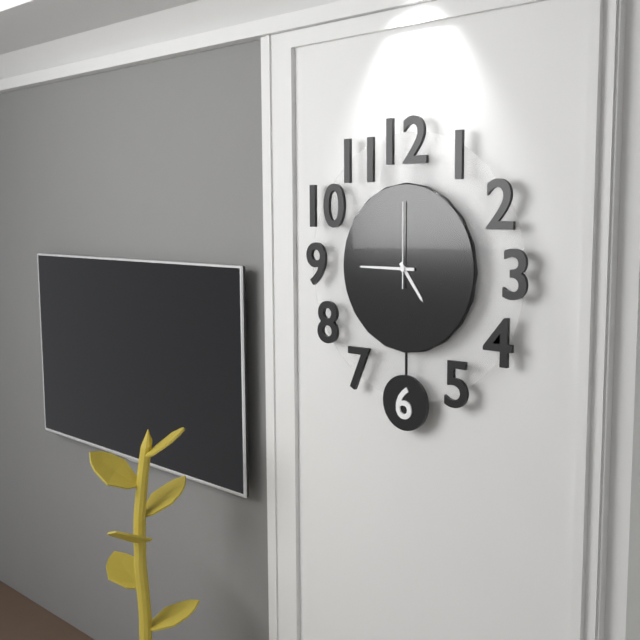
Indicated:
4.45.00
